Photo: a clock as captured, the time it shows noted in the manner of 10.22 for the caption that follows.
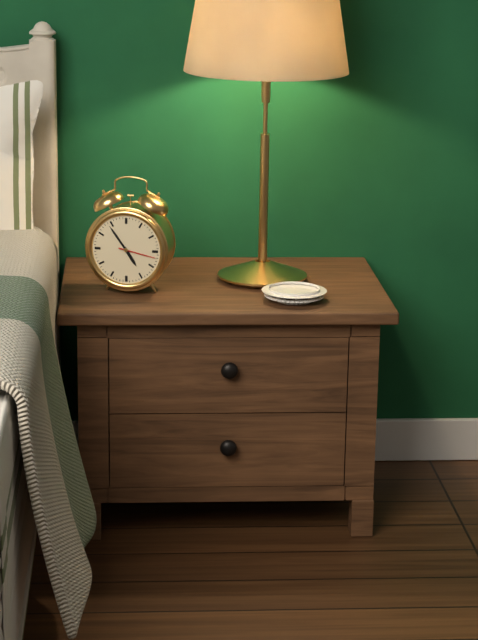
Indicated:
4.54
